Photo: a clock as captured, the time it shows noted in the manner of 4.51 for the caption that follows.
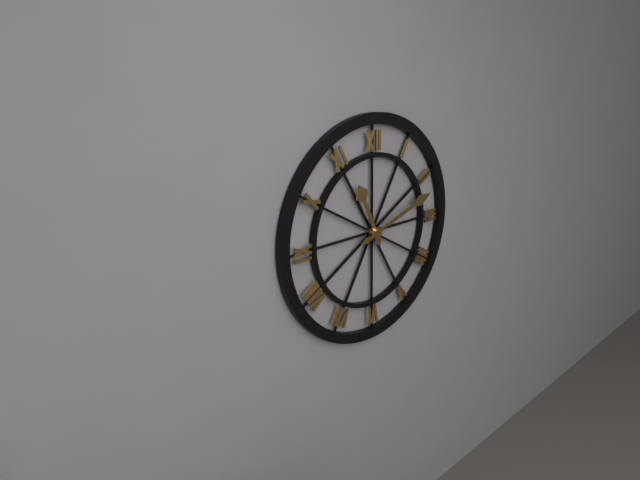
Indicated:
11.12
